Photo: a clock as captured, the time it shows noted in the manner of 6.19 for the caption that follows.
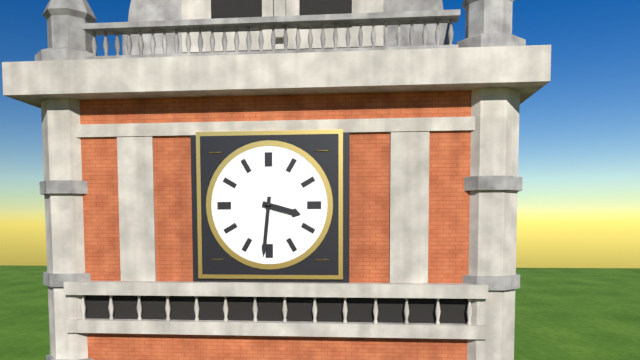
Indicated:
3.31
